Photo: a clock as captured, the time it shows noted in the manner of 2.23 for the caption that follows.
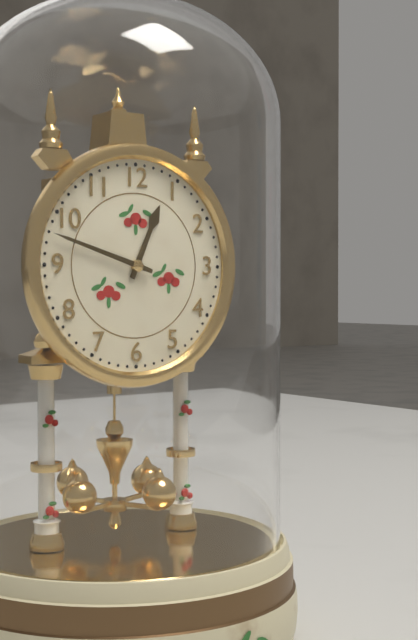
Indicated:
12.48
